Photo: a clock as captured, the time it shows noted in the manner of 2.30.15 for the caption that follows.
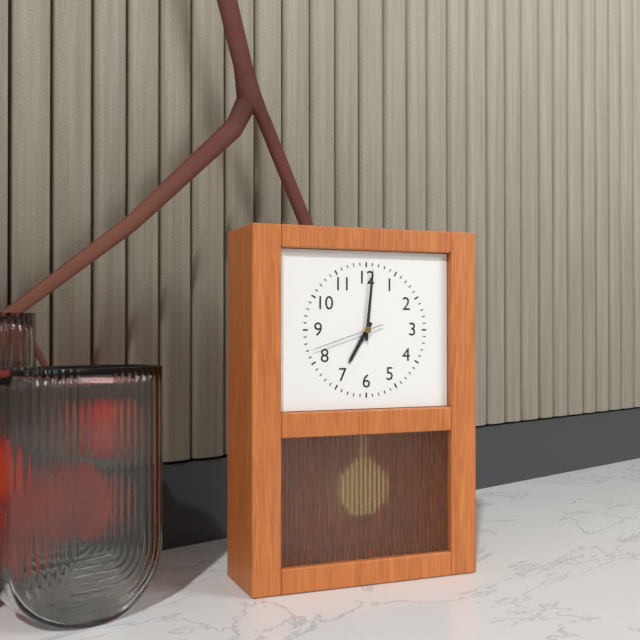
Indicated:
7.01.42
